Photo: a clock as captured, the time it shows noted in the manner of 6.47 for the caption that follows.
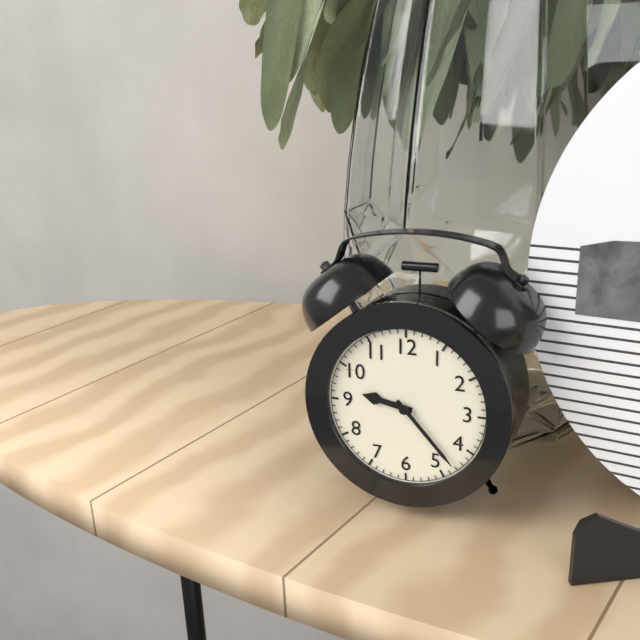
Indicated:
9.23
